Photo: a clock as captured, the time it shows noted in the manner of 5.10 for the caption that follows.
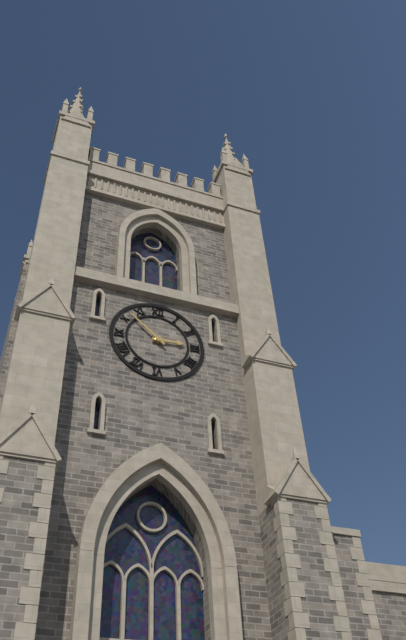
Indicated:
2.52
